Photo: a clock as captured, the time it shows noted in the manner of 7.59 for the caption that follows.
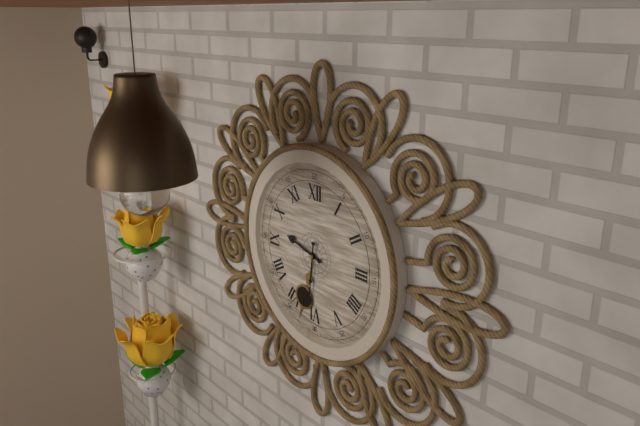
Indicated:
9.31
